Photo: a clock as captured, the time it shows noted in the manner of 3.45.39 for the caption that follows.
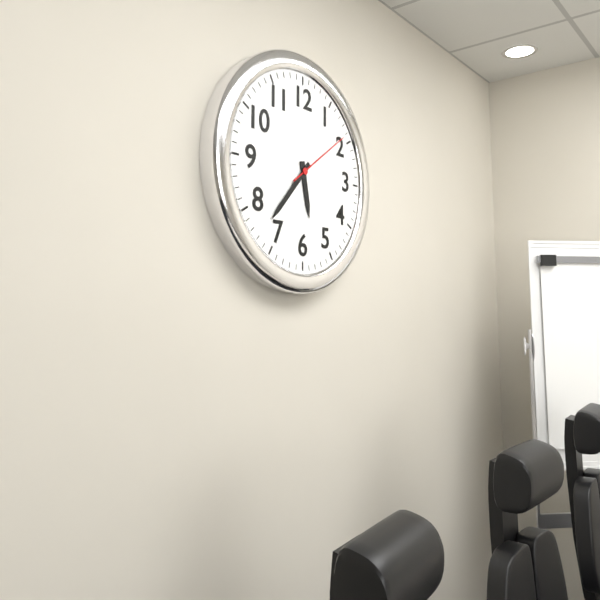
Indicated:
5.37.09
